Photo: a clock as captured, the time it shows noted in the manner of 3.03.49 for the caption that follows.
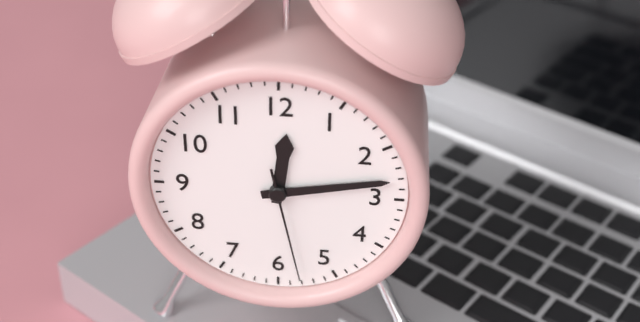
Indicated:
12.13.28
